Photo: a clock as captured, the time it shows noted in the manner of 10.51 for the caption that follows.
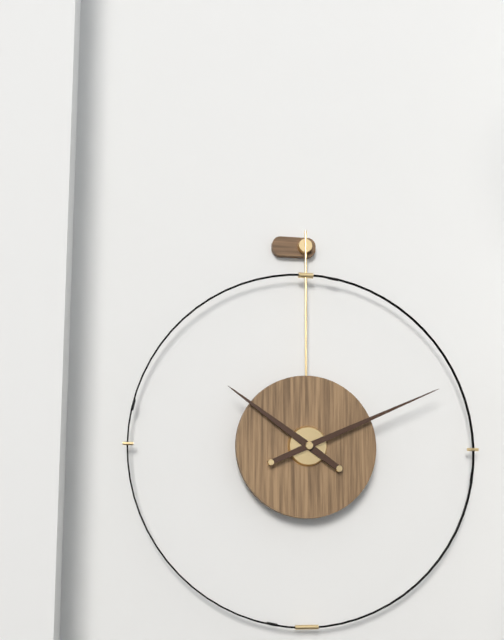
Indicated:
10.11
